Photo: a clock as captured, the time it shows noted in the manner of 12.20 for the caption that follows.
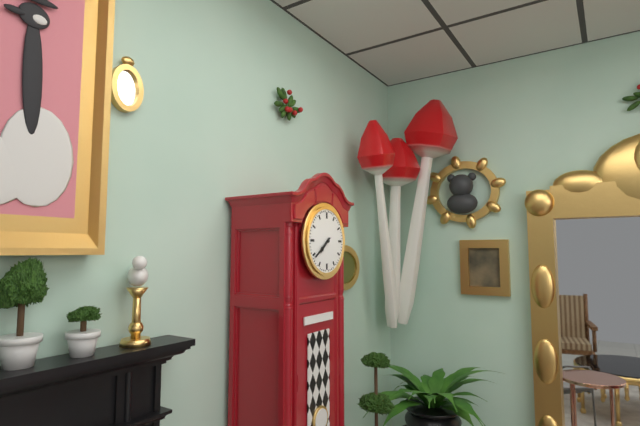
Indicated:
7.39
